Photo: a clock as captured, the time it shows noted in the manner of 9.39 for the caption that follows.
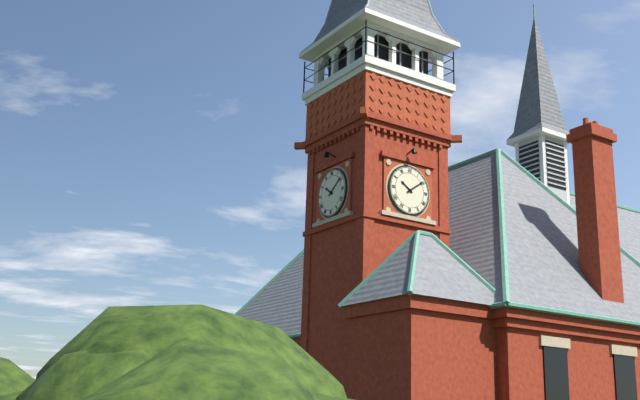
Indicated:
10.09
